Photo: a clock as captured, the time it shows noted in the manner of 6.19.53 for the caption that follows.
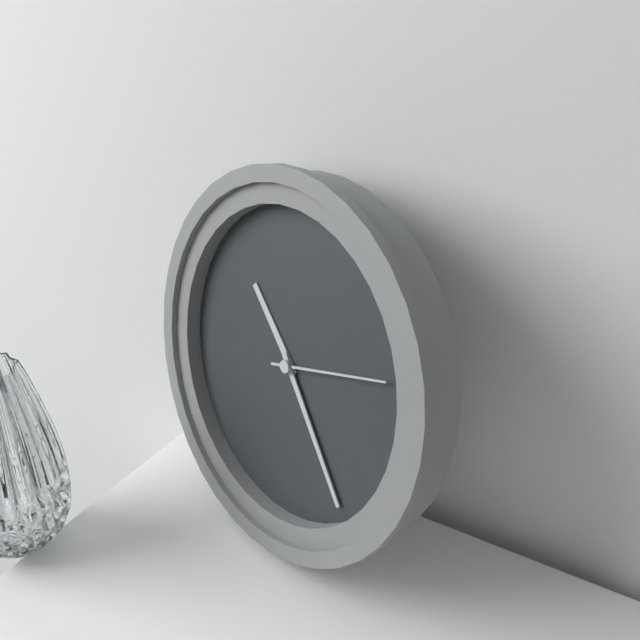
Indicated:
10.23.12
